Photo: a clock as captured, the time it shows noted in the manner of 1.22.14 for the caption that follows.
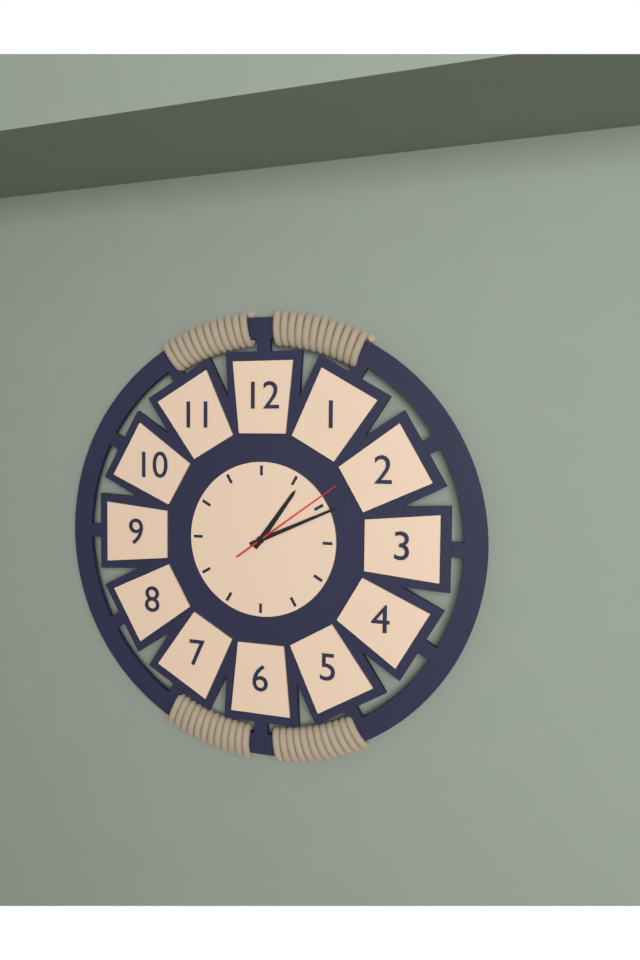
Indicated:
1.11.09
